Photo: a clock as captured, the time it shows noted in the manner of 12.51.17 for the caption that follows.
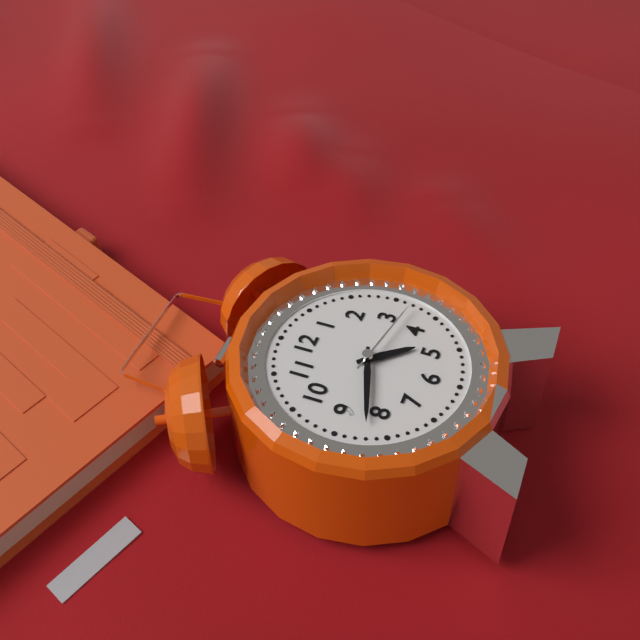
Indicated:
4.42.17
